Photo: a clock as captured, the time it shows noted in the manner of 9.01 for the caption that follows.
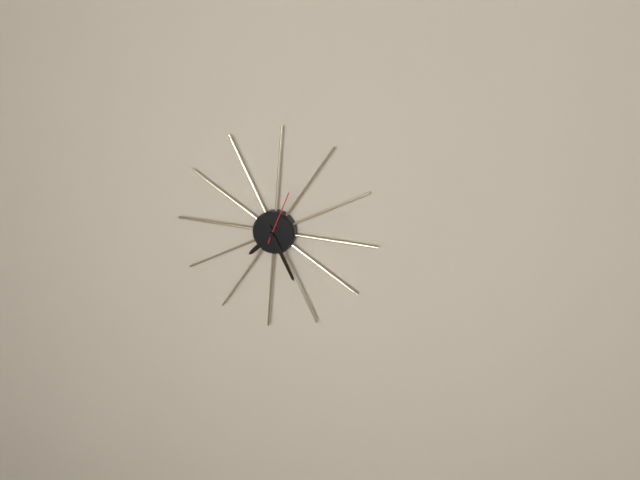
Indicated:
7.25
